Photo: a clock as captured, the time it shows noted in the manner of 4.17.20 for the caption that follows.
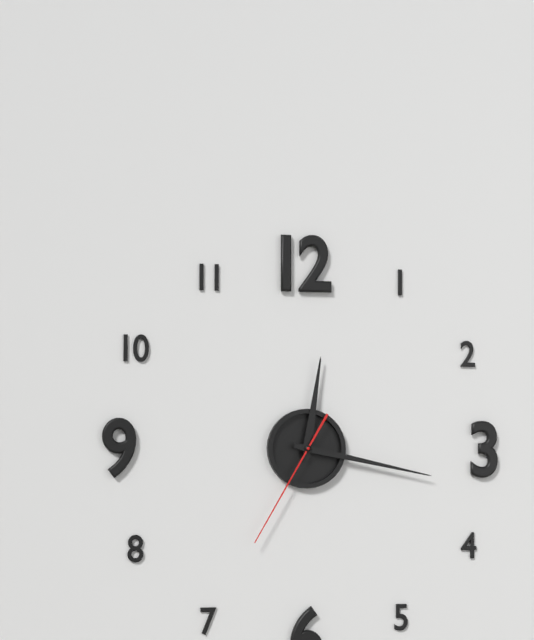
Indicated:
12.17.35
